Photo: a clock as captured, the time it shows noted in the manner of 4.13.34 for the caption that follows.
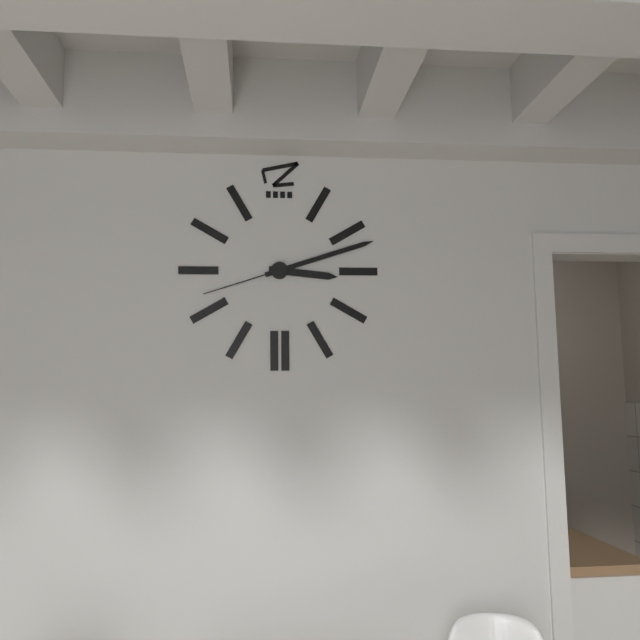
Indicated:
3.12.42
